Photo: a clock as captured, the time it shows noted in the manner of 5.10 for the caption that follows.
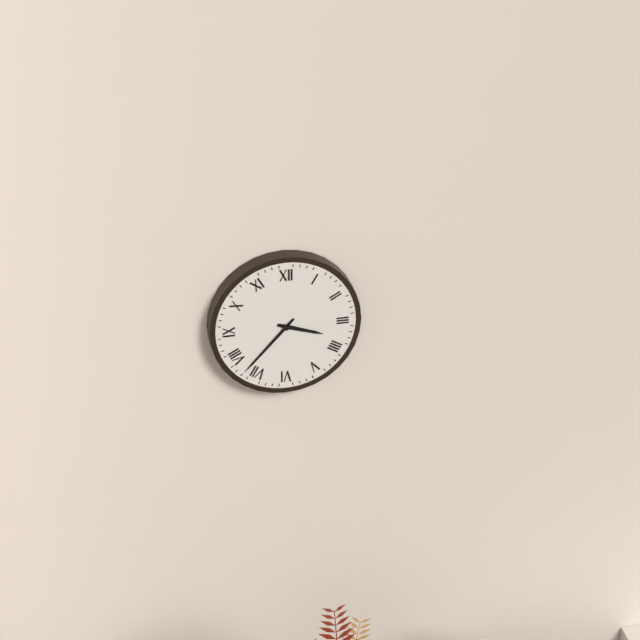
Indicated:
3.37
